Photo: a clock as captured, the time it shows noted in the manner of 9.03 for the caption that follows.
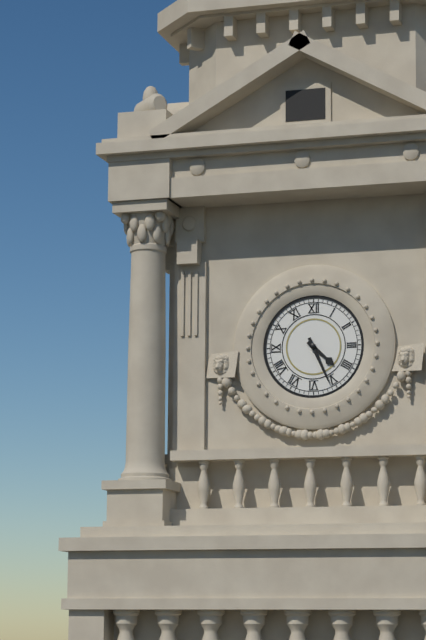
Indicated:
4.26
